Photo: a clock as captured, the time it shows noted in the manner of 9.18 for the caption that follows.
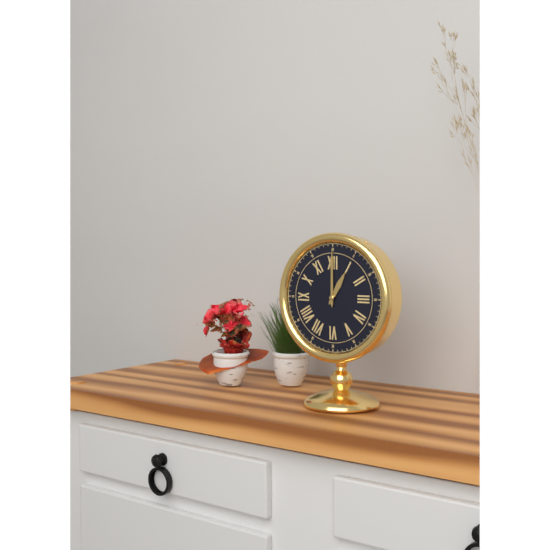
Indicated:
1.00
